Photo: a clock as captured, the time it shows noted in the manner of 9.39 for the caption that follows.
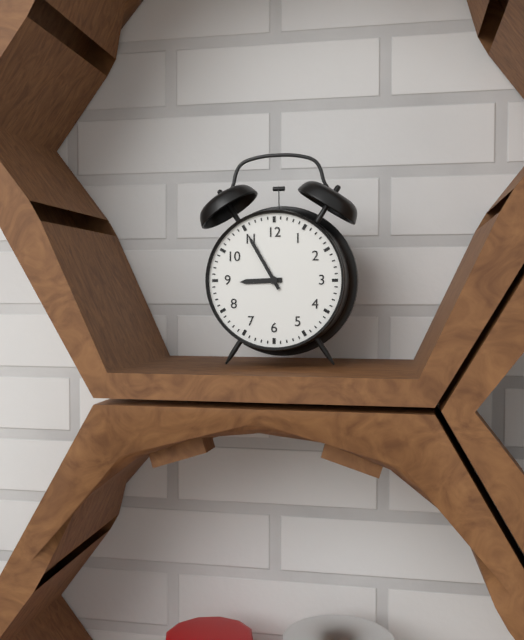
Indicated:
8.55
